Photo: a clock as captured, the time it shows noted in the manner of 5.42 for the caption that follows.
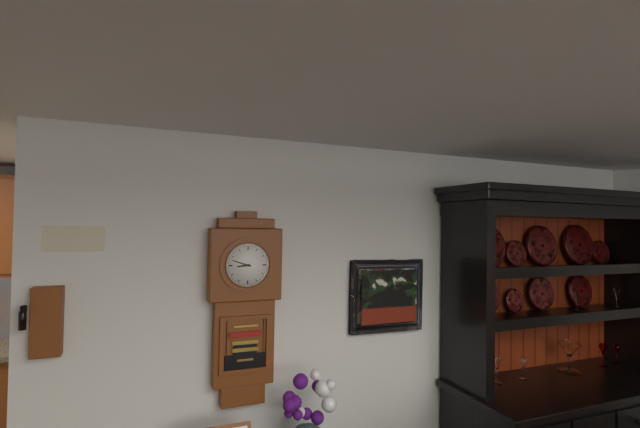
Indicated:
8.48
